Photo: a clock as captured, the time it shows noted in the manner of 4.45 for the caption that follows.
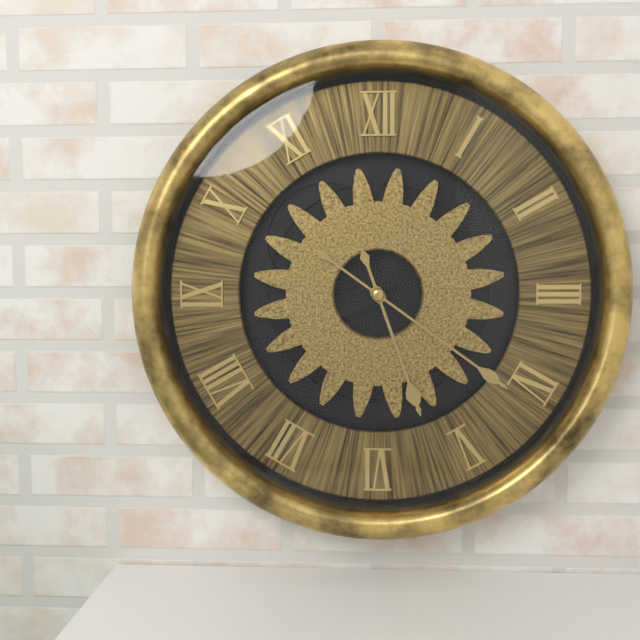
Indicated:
5.21
